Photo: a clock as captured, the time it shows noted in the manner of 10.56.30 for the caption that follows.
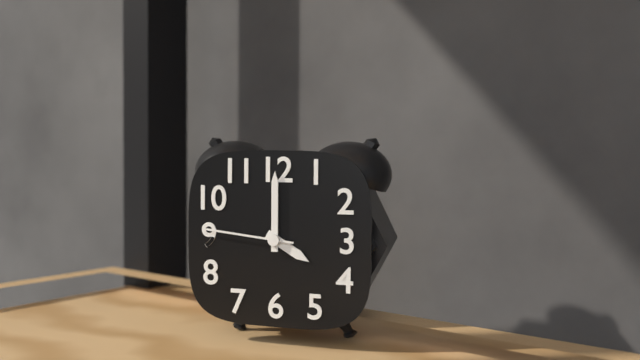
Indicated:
4.00.46
